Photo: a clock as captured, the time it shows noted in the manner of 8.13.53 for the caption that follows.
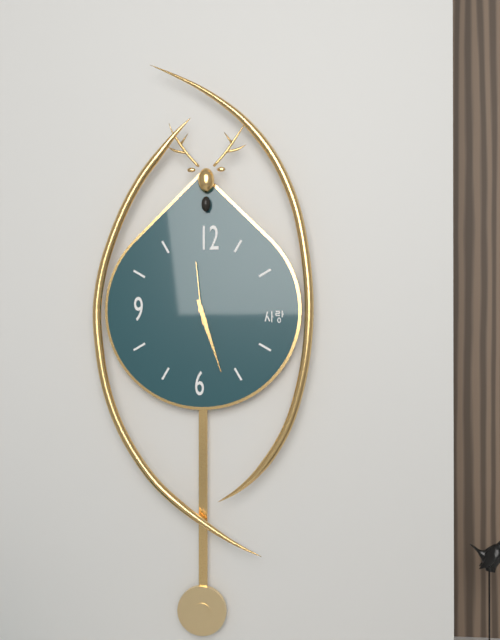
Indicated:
5.27.59
